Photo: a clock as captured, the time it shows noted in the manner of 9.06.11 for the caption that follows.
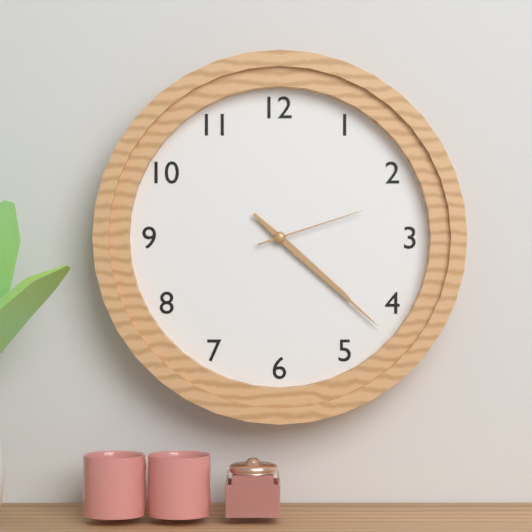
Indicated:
4.22.12
